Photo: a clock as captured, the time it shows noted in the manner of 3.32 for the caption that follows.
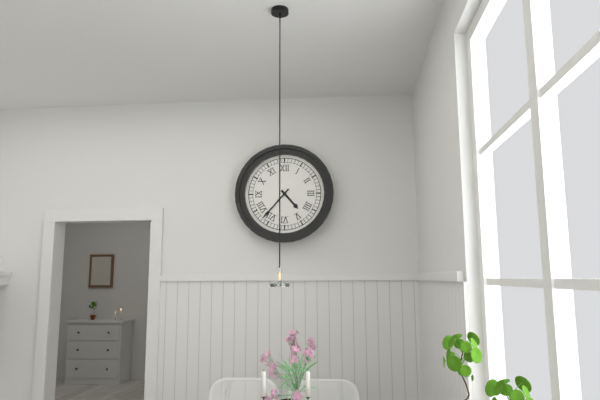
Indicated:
4.37
